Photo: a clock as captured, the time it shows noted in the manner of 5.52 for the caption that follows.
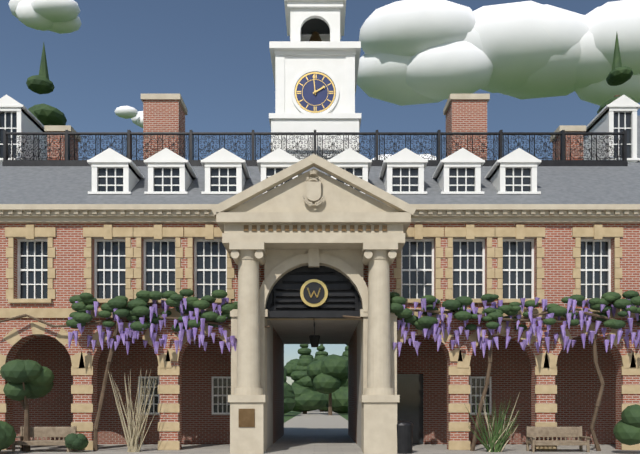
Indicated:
1.59
